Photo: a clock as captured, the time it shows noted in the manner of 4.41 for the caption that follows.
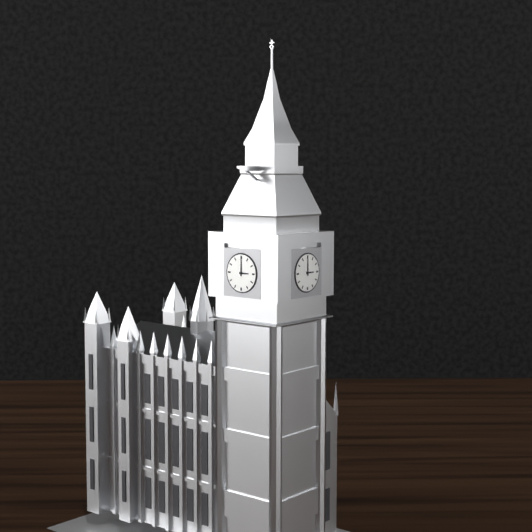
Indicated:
3.00
